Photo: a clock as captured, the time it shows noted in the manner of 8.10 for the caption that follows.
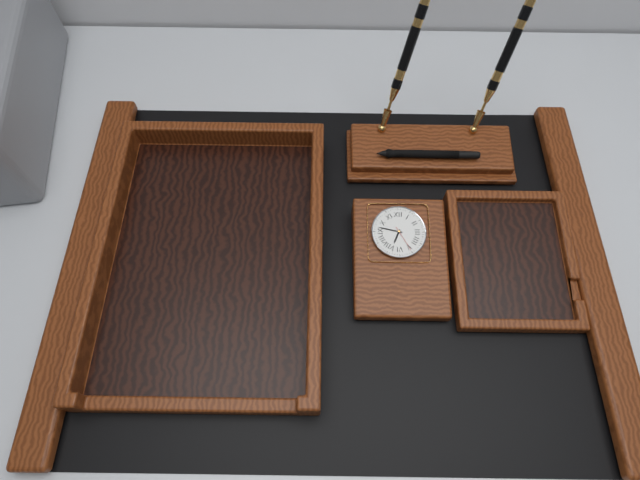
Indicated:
6.47
